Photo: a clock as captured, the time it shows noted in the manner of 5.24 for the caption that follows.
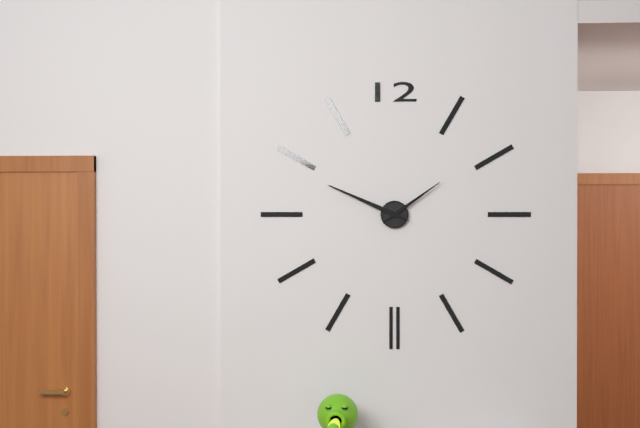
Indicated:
1.49
